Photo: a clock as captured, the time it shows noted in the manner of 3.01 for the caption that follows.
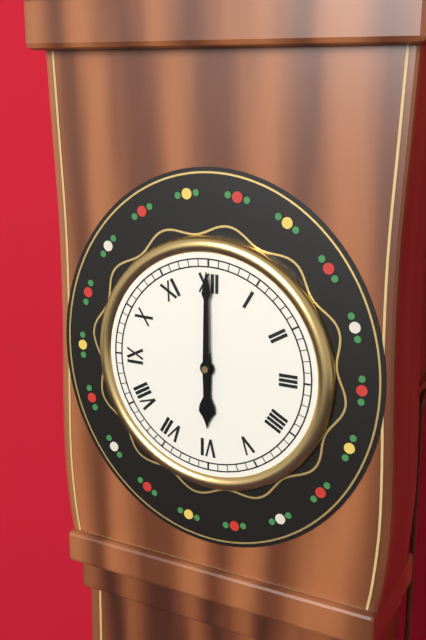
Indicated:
6.00
